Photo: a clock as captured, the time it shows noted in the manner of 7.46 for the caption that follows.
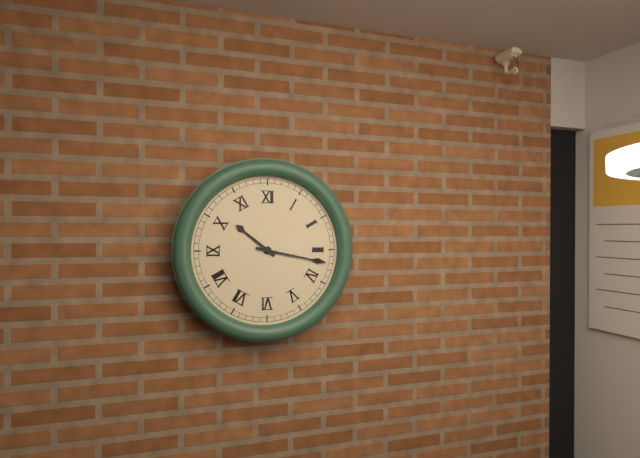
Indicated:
10.17
